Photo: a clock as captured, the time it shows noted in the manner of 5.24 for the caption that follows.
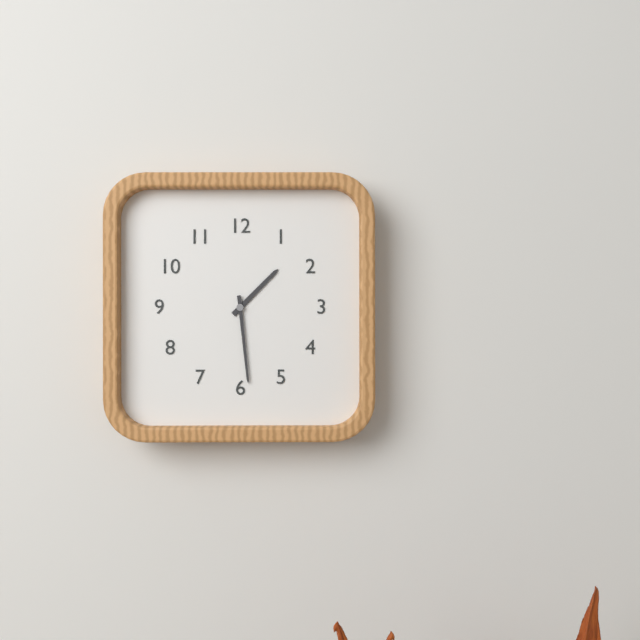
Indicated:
1.29
